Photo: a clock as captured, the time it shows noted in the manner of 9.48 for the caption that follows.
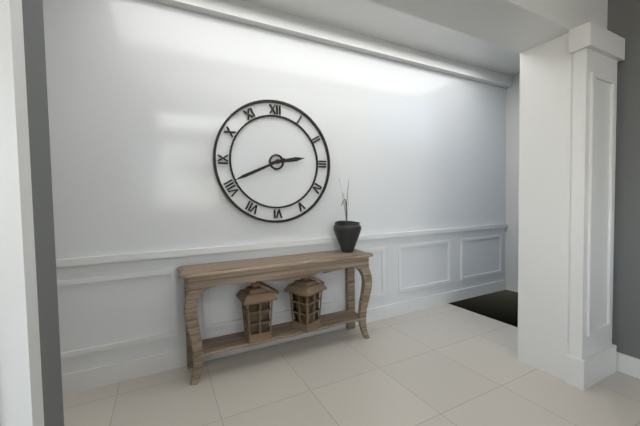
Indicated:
2.41
